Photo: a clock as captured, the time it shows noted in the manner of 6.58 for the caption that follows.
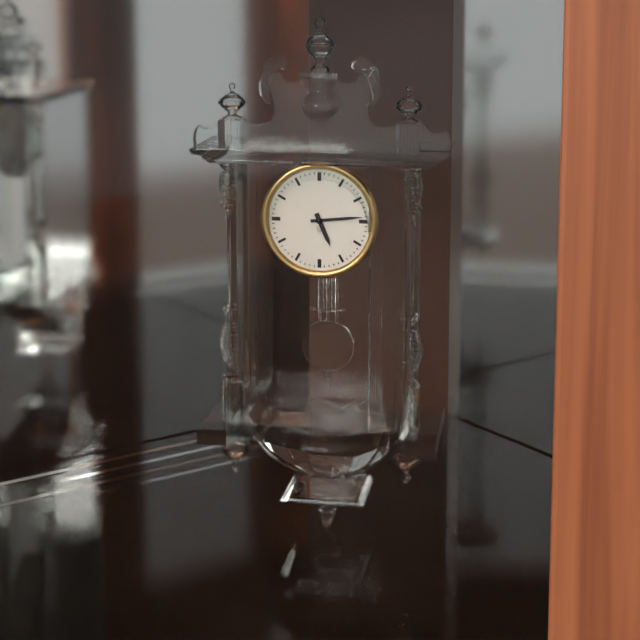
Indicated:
5.14
